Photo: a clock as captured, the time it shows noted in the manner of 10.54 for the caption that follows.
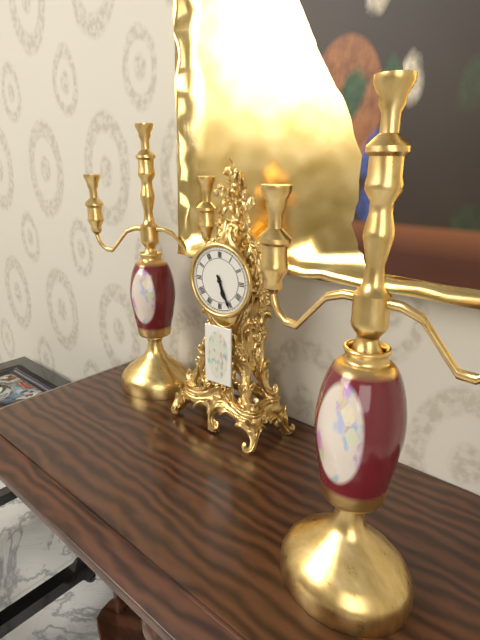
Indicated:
5.26
